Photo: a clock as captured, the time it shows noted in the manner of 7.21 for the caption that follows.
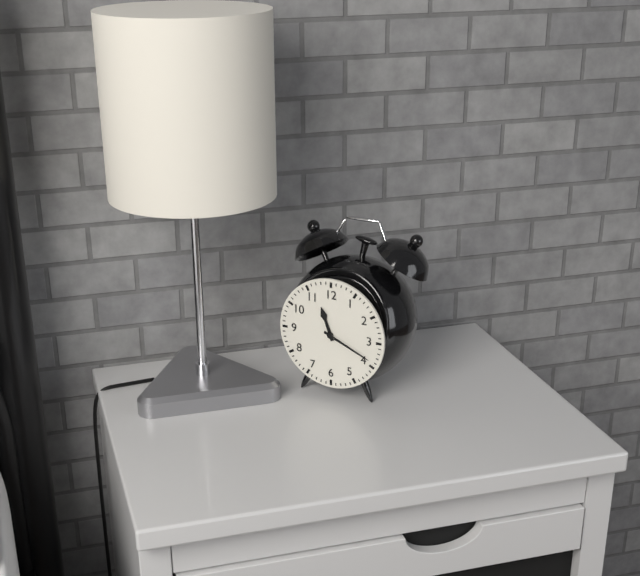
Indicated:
11.19
